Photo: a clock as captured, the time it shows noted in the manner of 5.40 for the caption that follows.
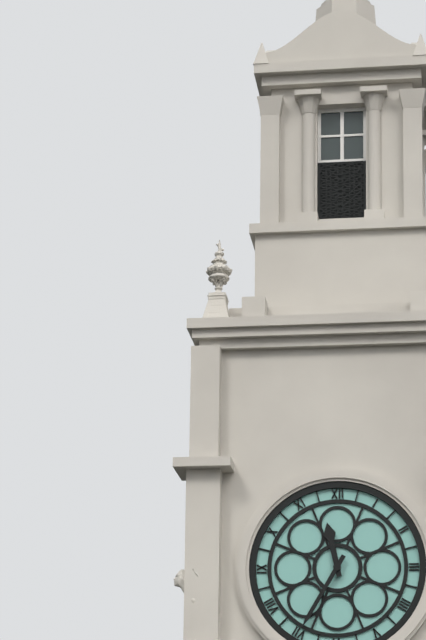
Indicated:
11.35
